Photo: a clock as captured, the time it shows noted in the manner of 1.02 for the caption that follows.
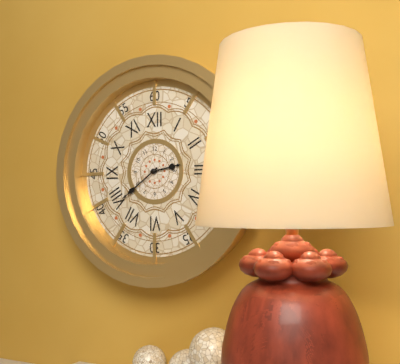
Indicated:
2.39
